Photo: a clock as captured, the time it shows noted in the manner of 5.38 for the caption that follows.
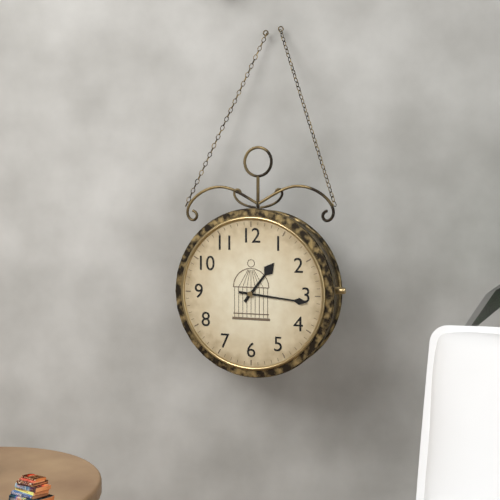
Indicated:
1.16
